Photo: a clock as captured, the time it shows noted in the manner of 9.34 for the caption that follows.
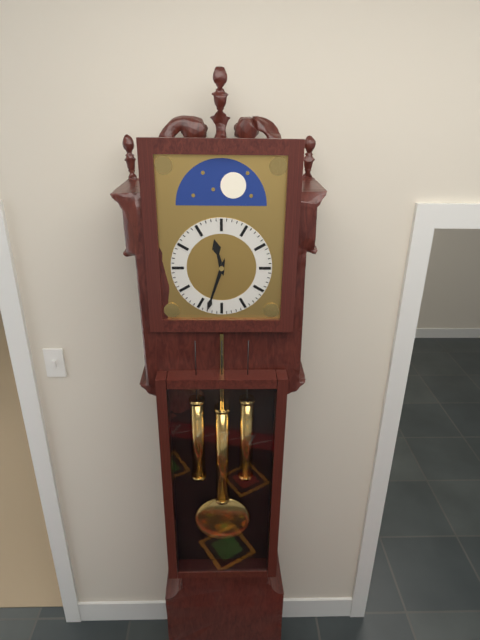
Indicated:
11.33
